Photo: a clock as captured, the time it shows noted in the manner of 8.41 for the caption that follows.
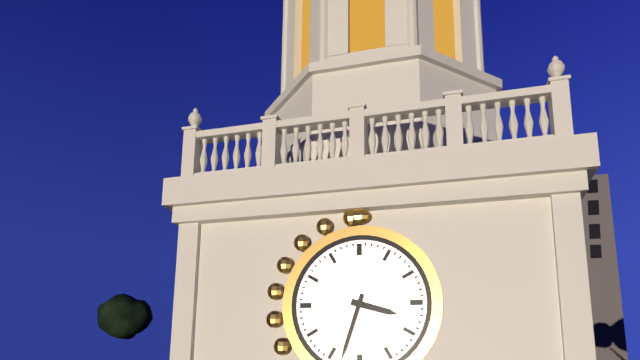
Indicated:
3.33
